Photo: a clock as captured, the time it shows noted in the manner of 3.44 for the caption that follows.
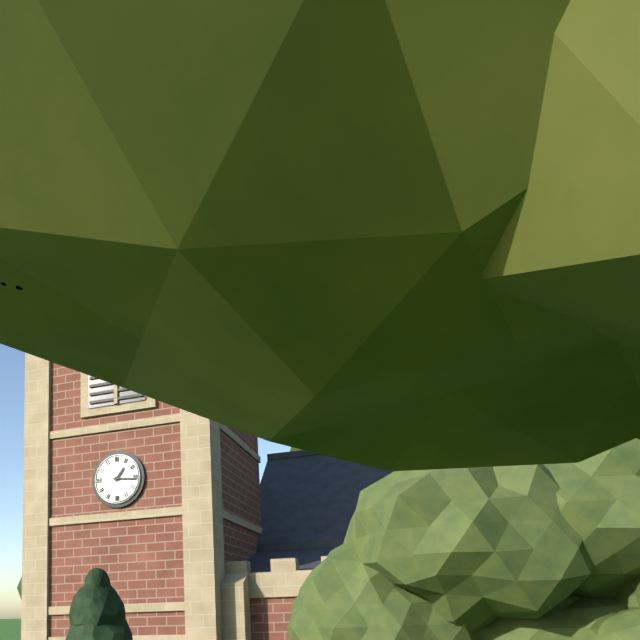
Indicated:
1.16
